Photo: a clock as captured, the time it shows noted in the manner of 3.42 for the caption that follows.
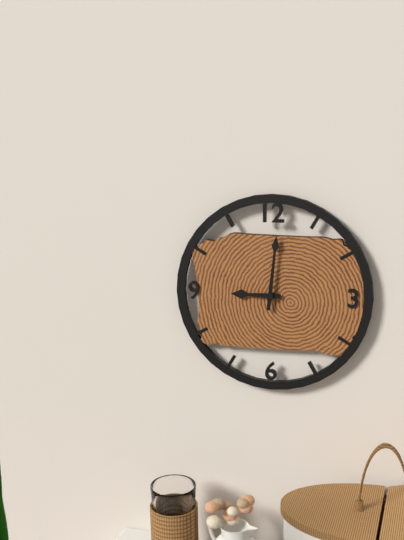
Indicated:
9.01
